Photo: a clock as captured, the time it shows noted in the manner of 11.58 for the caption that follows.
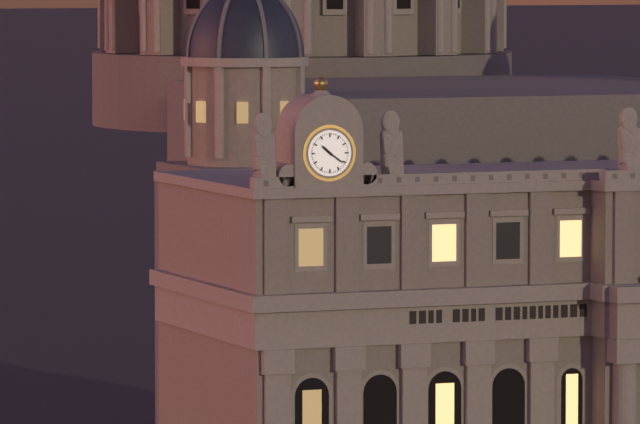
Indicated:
10.21
